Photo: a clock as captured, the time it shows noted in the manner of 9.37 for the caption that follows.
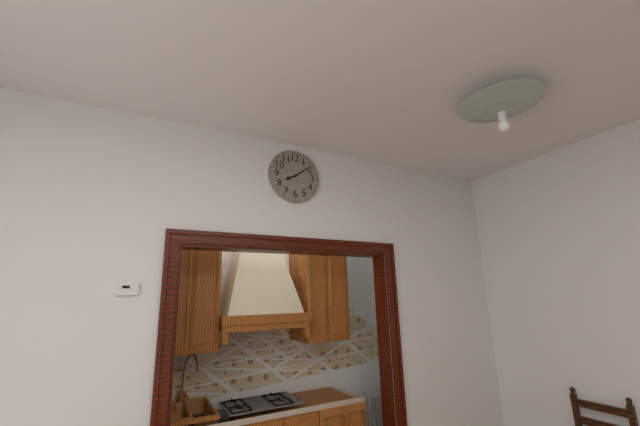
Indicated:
8.09
